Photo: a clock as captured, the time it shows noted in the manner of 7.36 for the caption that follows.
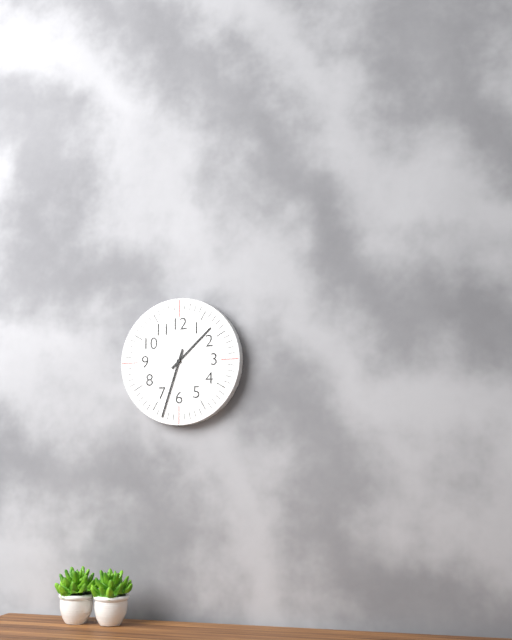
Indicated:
1.33
